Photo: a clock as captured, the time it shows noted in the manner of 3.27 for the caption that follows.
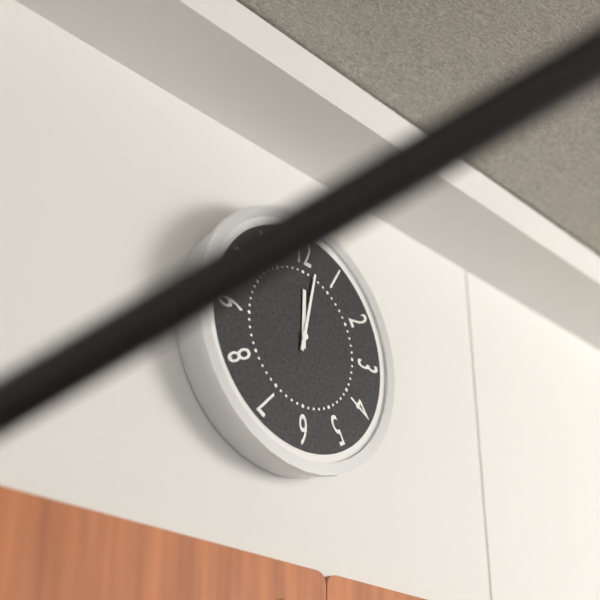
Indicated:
12.02
